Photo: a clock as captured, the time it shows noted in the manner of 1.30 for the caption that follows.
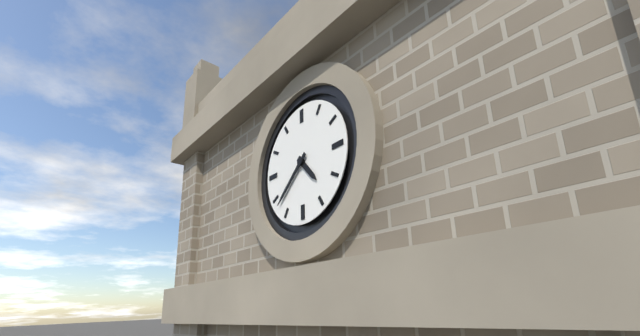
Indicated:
4.38
